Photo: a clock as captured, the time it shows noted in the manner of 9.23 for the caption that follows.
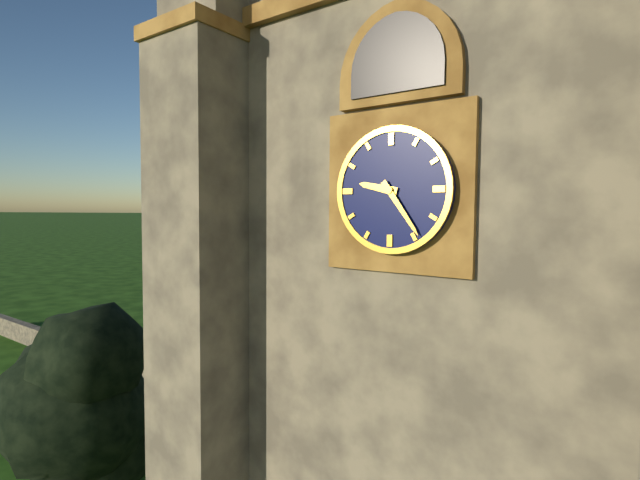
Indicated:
9.24
